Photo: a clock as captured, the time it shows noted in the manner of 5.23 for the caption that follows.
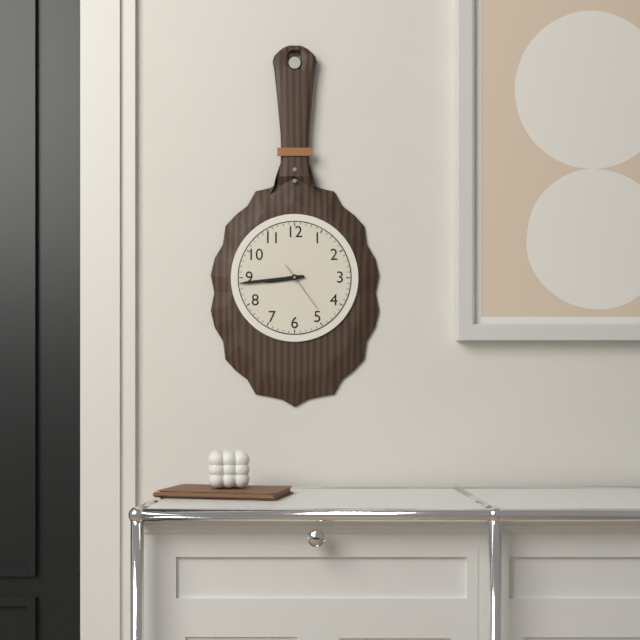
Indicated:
8.44
